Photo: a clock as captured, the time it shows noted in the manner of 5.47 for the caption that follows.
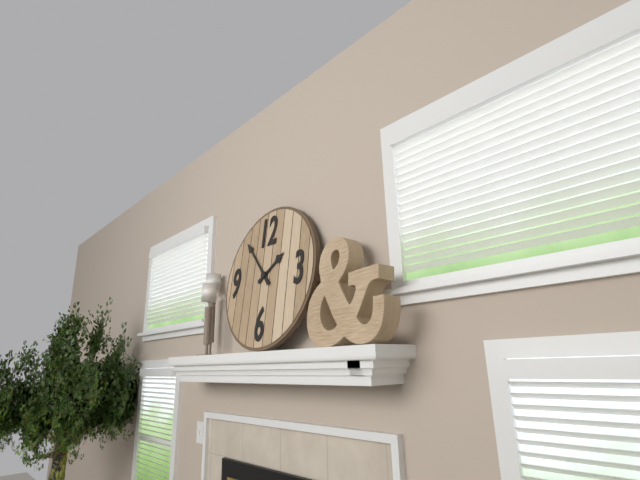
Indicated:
1.53
